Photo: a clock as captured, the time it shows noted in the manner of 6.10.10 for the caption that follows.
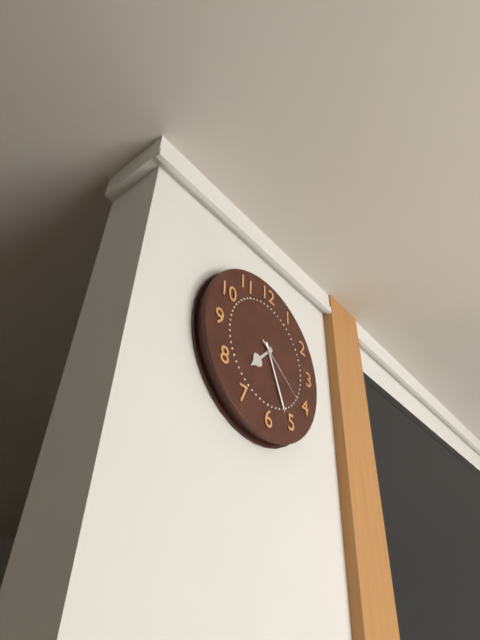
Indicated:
7.26.21
